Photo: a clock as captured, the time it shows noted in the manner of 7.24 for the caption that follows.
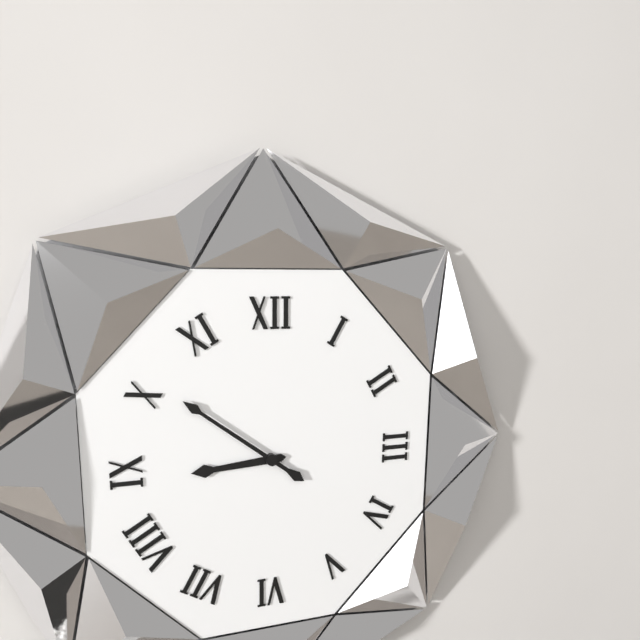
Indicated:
8.51
